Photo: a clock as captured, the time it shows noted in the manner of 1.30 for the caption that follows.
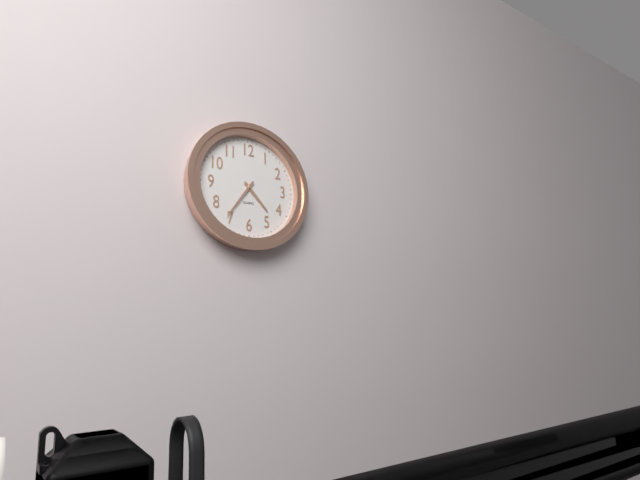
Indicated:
4.36
